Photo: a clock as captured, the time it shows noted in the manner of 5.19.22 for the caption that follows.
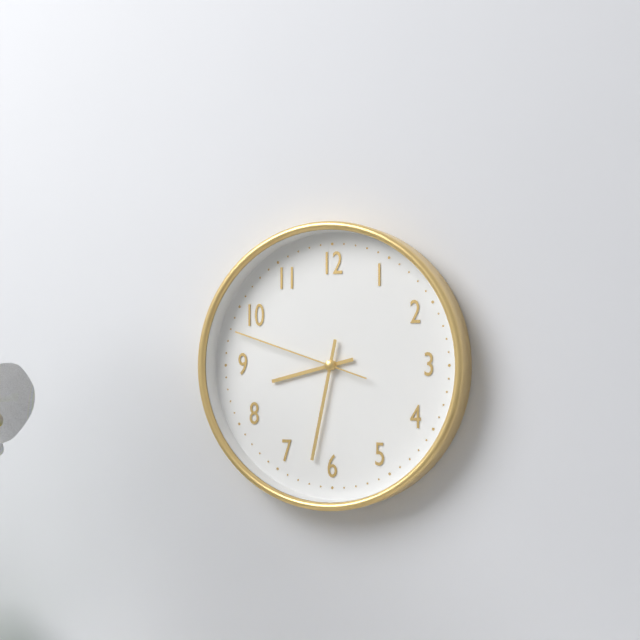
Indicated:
8.32.48
